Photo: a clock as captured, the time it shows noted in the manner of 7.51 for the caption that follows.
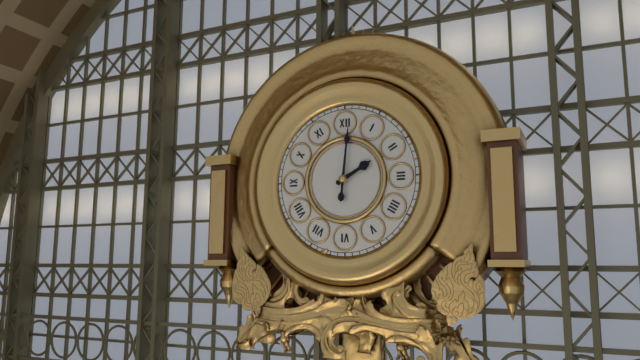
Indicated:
2.01
